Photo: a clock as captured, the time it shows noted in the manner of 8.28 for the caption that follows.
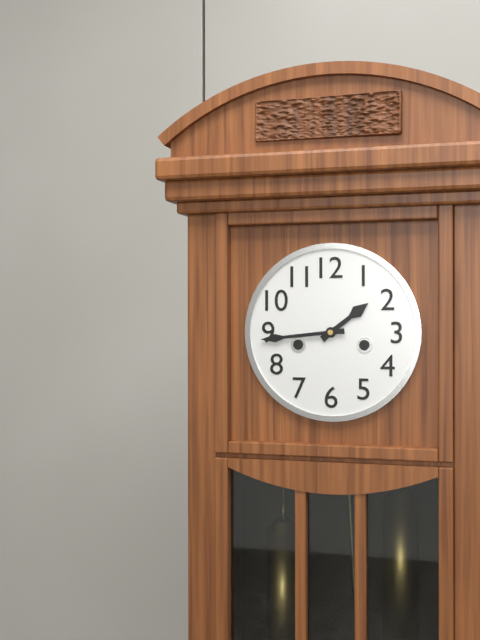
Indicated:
1.44
